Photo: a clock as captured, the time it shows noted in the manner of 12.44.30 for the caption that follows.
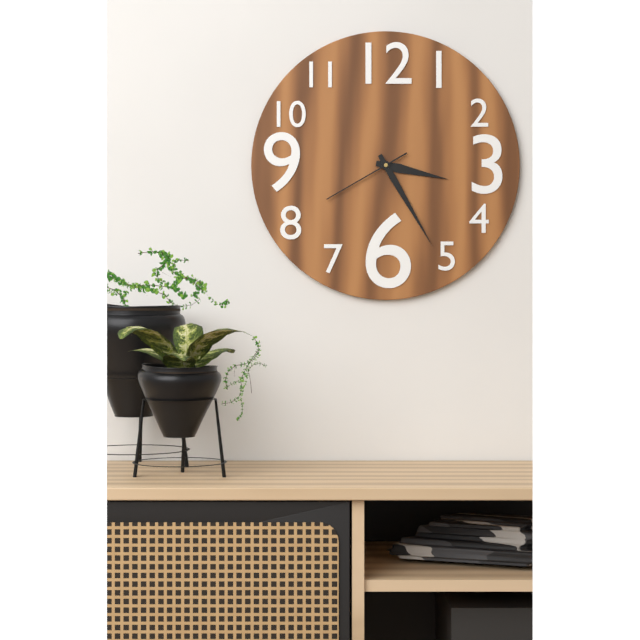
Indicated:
3.25.40
